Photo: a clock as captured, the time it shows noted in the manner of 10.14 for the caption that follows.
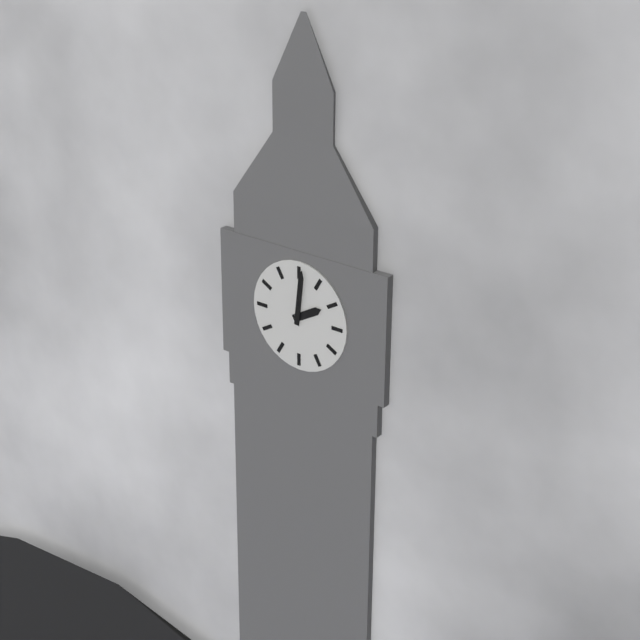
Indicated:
2.01
